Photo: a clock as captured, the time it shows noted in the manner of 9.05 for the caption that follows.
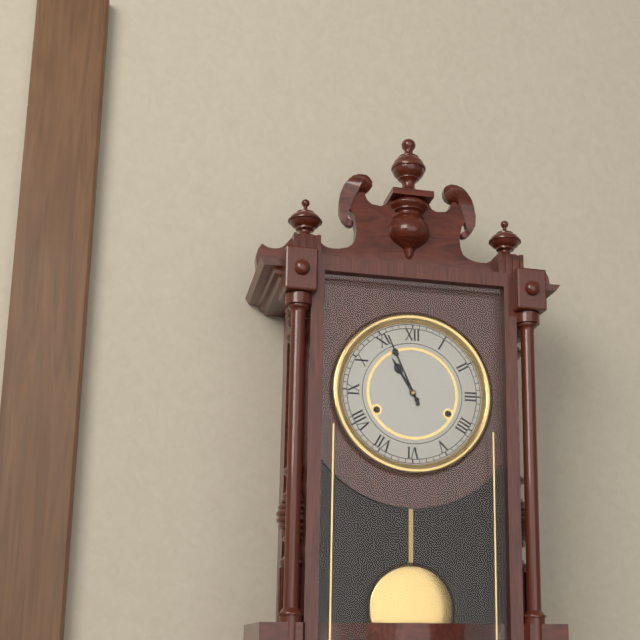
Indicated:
10.56
